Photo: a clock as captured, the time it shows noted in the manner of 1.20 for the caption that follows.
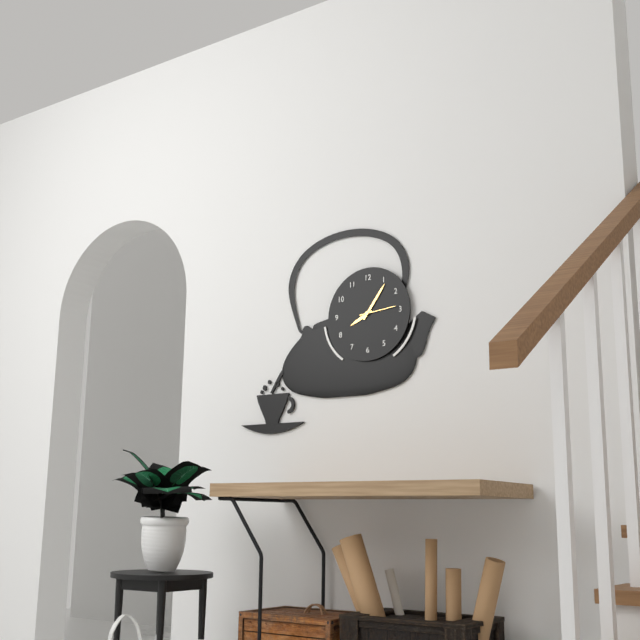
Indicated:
8.06
